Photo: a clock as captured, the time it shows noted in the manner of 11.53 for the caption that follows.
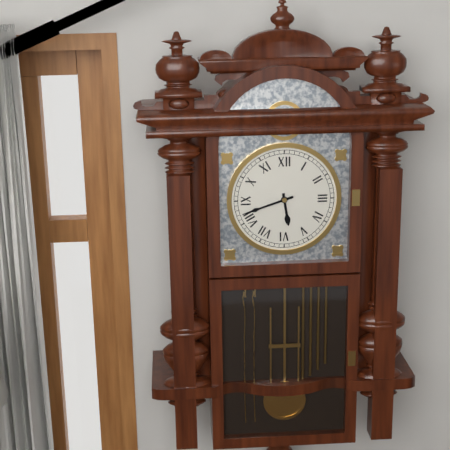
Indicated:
5.42
